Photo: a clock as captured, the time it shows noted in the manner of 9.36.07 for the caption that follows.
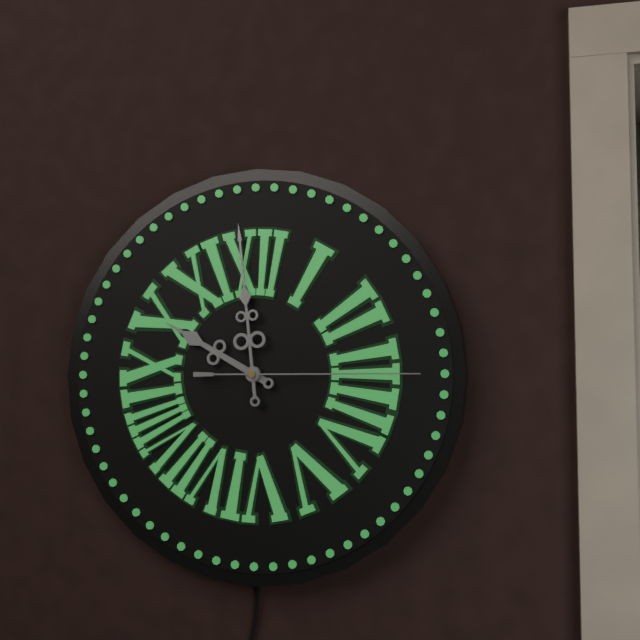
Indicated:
9.59.15
